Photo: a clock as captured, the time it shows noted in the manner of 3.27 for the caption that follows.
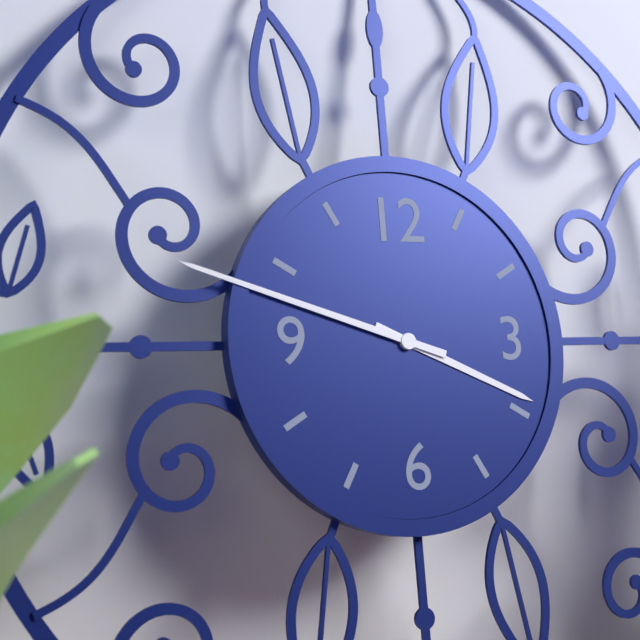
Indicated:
3.48
